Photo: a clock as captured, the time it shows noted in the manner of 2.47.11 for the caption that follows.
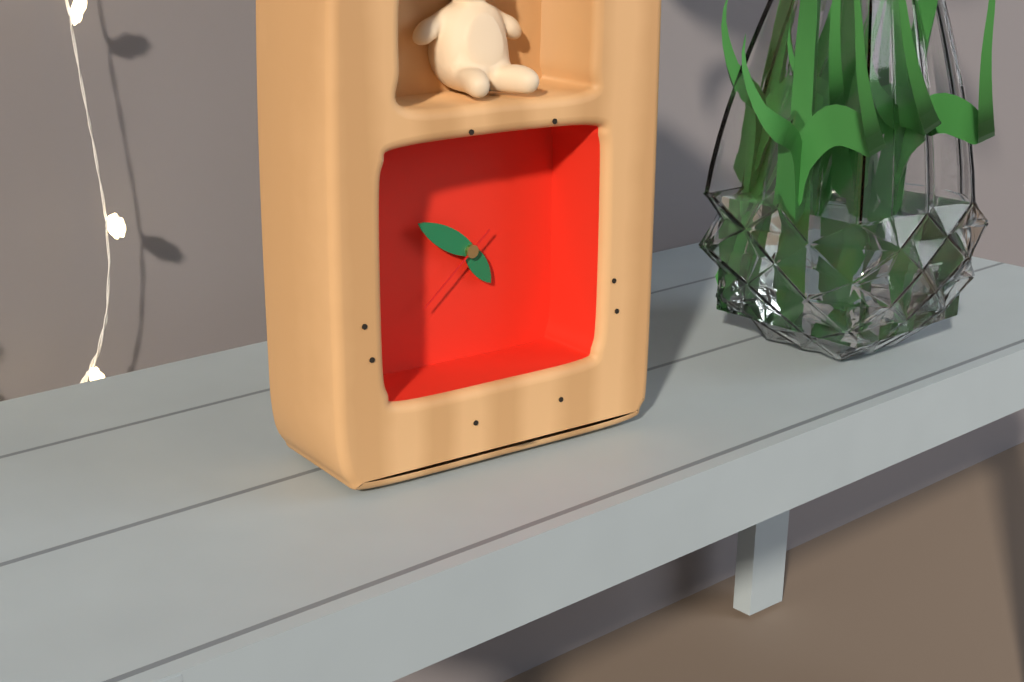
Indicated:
4.50.38
